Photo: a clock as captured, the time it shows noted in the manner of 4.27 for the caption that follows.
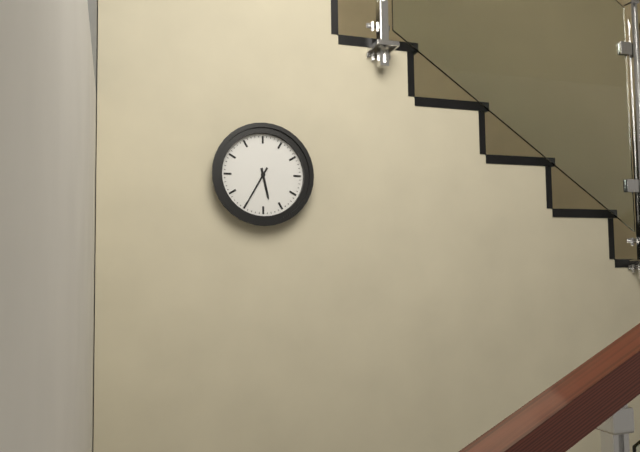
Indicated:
5.35
